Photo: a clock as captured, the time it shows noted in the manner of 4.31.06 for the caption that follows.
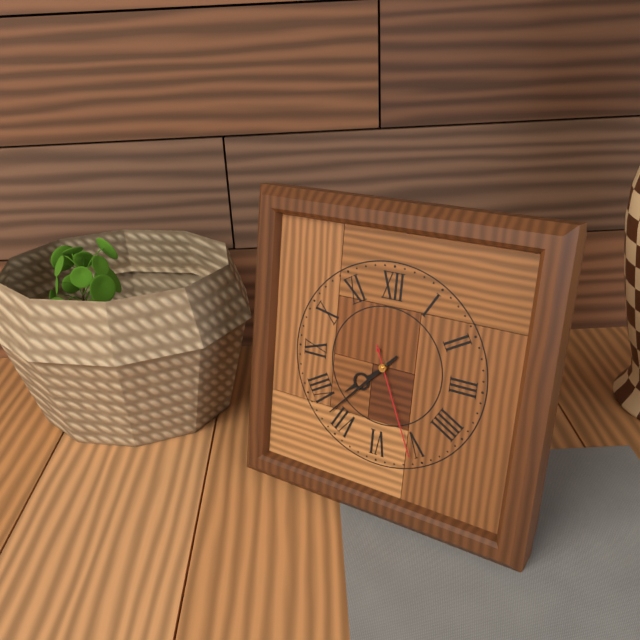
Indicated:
7.37.26
